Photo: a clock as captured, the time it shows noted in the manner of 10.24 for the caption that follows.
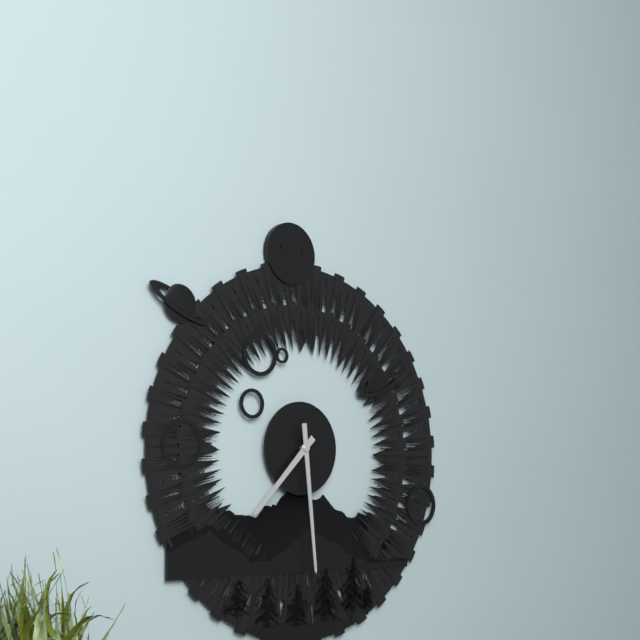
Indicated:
7.29
